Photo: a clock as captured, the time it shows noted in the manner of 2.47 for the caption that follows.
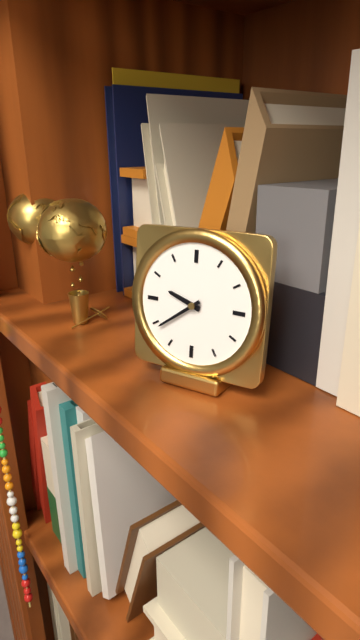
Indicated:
9.39
